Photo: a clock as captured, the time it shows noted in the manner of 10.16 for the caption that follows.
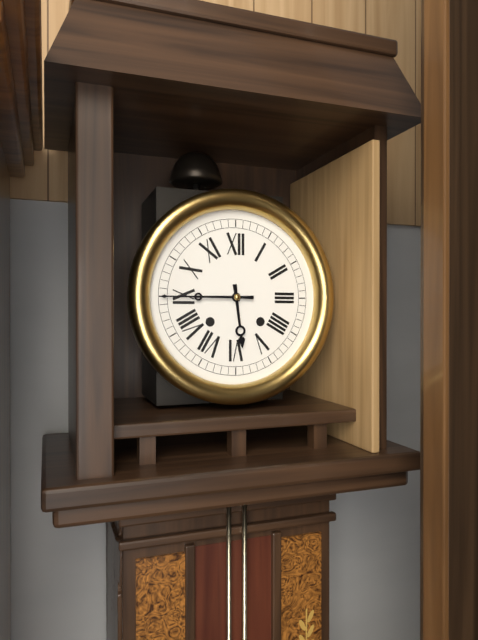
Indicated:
5.45
